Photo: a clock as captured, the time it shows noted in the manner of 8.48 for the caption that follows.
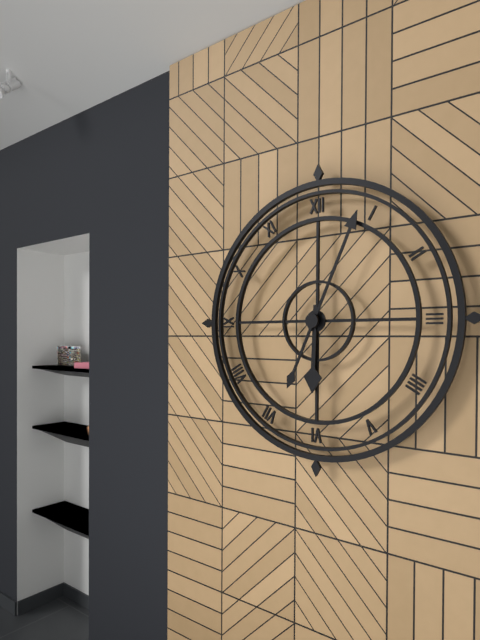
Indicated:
6.04
